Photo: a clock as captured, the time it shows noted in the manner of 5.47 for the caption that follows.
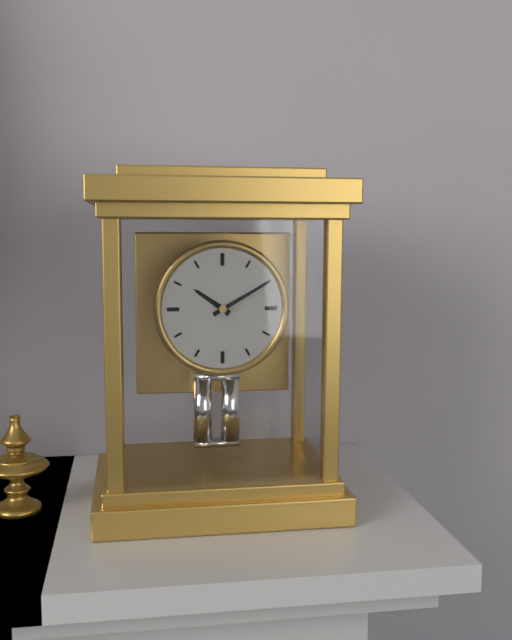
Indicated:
10.10
